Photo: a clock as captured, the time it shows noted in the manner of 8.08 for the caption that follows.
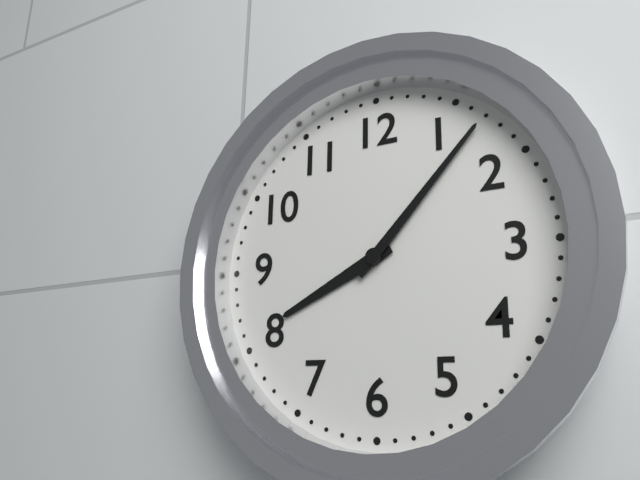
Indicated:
8.07
